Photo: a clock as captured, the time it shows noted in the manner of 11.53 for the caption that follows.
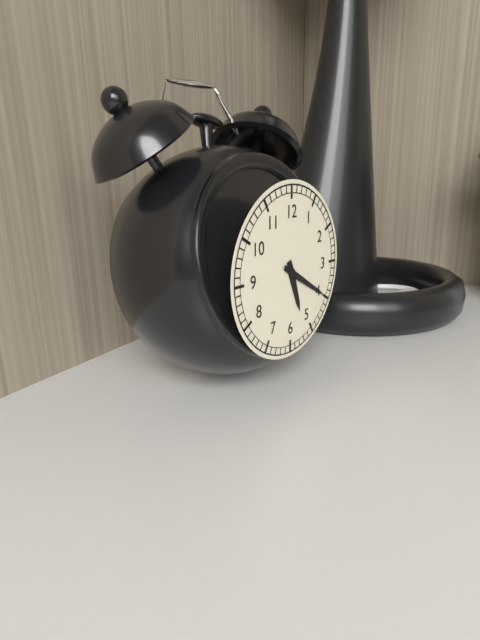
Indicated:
5.20
